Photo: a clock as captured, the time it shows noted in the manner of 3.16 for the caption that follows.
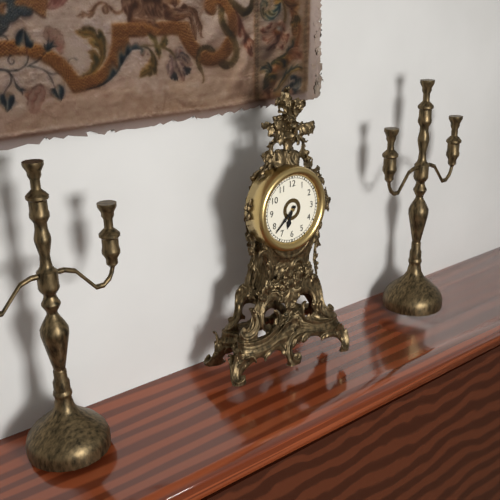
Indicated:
6.38
